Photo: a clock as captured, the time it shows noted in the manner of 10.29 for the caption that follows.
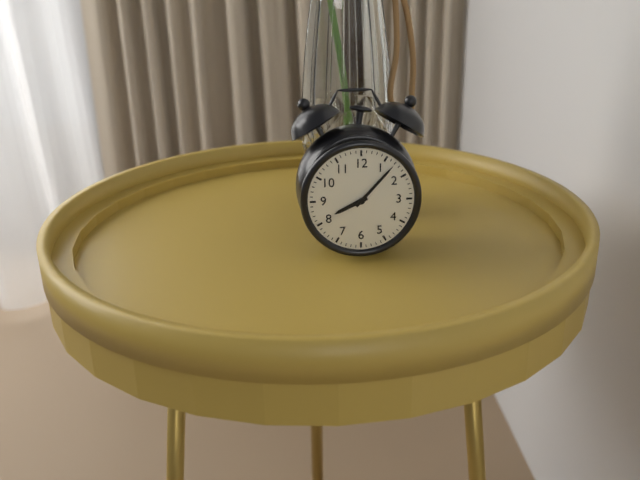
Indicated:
8.07
